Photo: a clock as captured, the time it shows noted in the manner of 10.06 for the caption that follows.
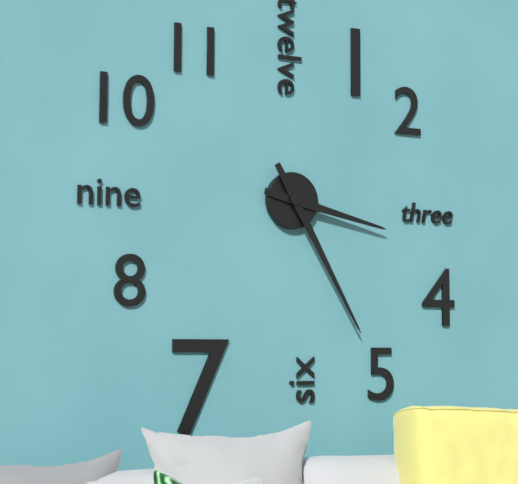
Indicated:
3.25
